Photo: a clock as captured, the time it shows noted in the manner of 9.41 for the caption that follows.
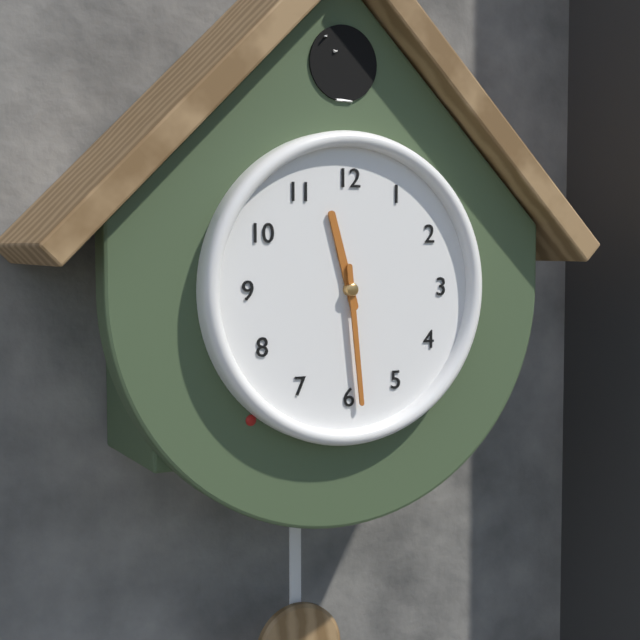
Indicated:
11.29
